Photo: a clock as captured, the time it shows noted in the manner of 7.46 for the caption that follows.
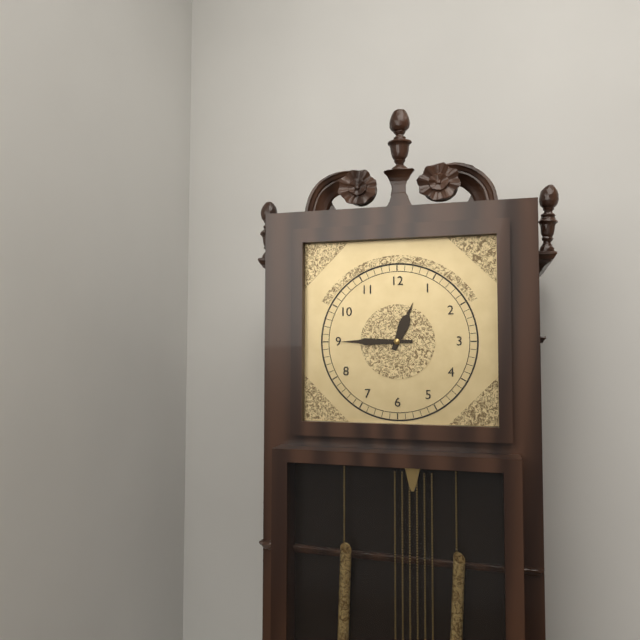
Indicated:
12.45
